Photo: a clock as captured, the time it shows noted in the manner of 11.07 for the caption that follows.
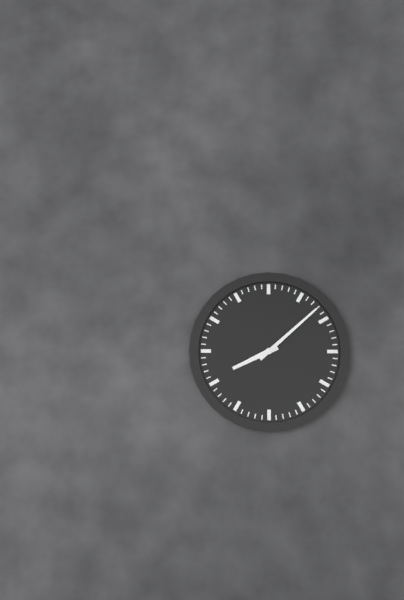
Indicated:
8.08
